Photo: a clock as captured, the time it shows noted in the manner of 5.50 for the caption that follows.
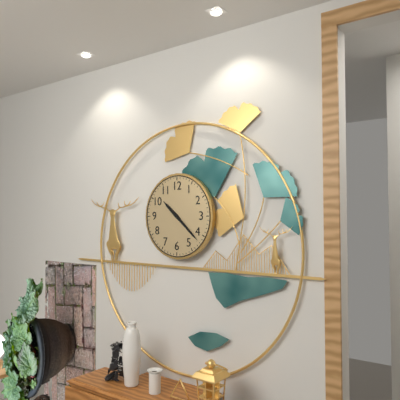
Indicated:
10.22
